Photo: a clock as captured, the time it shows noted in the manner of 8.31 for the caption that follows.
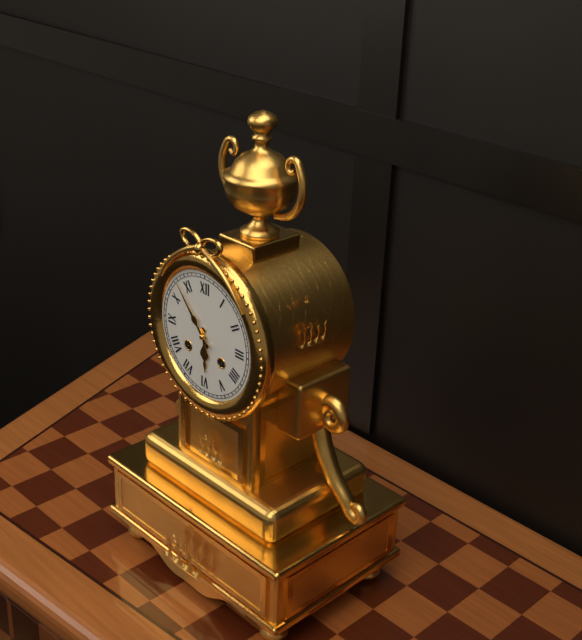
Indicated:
5.53
